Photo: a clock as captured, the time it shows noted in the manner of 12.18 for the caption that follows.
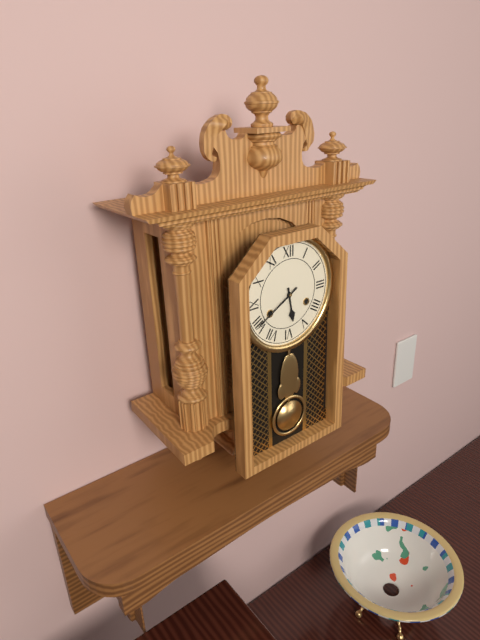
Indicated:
5.40
